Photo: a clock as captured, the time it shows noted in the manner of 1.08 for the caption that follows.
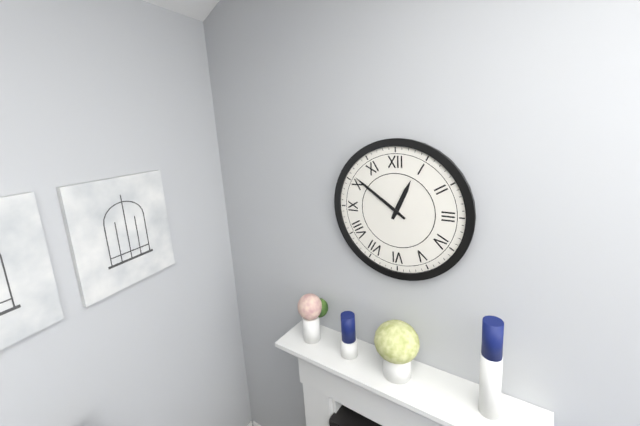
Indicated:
12.51
